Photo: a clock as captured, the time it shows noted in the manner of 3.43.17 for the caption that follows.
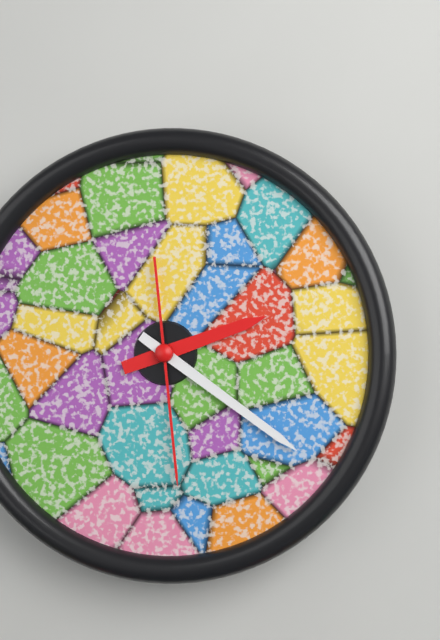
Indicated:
2.21.29
